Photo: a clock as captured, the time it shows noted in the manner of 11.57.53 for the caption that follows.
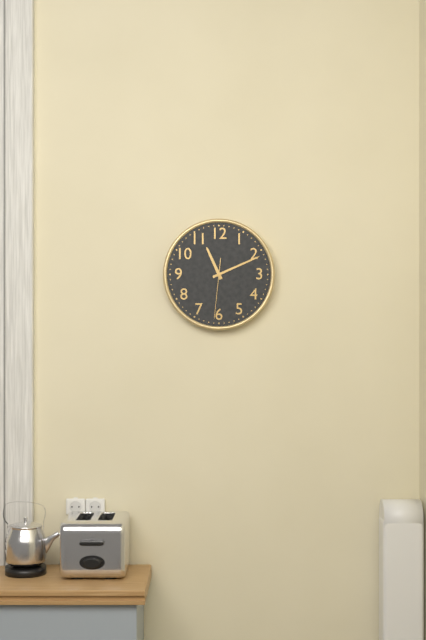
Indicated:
11.11.31
